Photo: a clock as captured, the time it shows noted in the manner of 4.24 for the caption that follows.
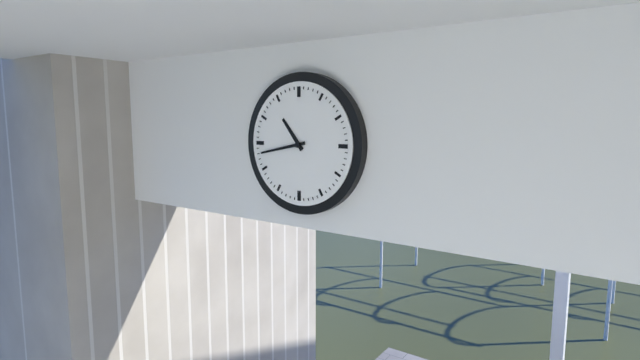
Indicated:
10.43
